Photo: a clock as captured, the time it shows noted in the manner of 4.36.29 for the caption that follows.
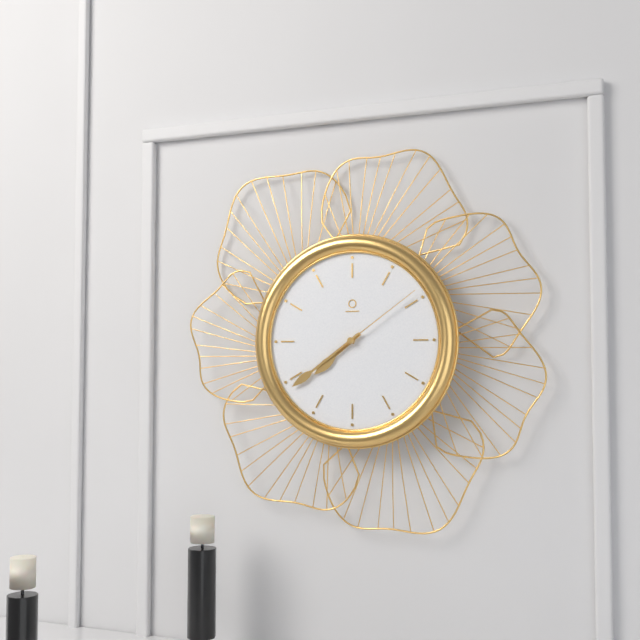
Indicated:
7.39.09
